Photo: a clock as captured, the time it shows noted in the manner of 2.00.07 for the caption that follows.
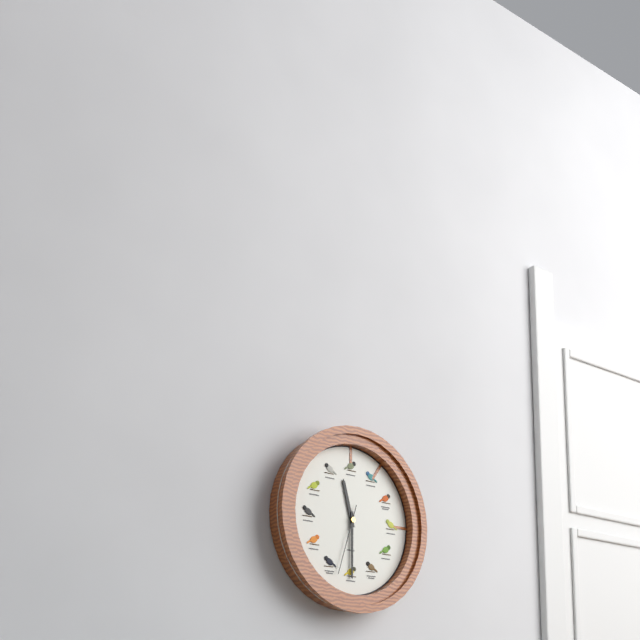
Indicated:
11.30.33
